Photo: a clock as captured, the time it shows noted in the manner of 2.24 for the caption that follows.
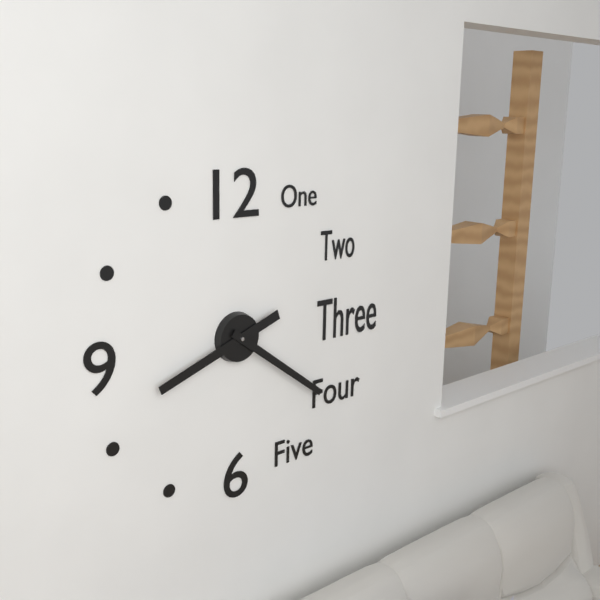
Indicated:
8.21
